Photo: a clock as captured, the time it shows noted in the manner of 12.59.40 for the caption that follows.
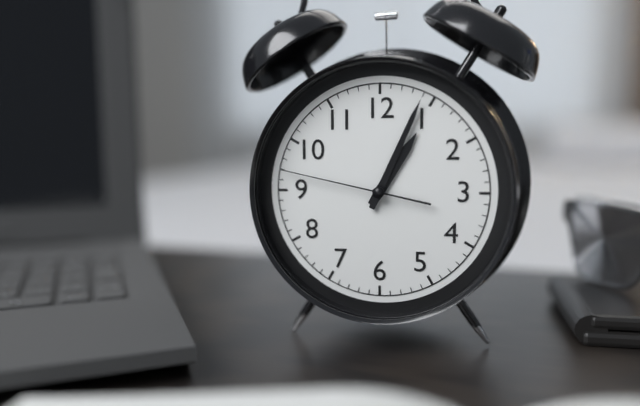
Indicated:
1.04.47
